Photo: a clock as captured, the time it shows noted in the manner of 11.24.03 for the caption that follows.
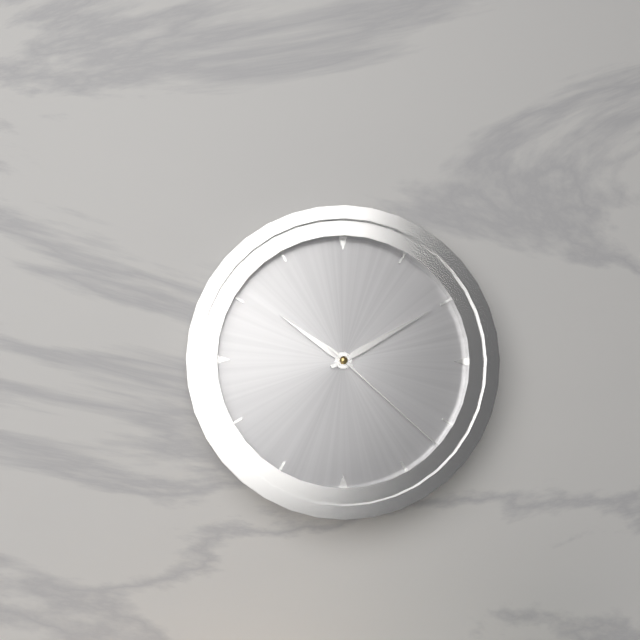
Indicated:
10.10.22
